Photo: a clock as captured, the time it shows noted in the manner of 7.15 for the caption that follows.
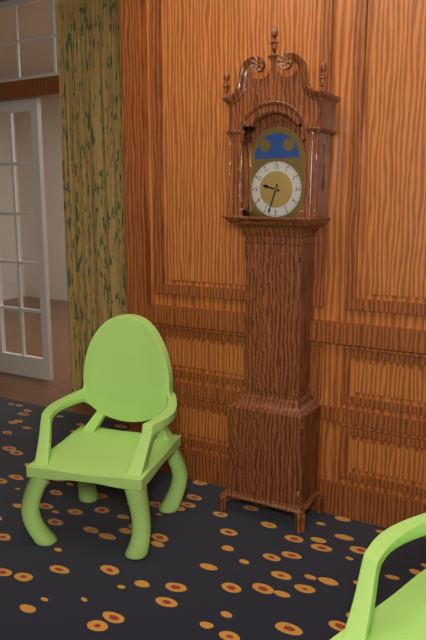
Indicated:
9.33
